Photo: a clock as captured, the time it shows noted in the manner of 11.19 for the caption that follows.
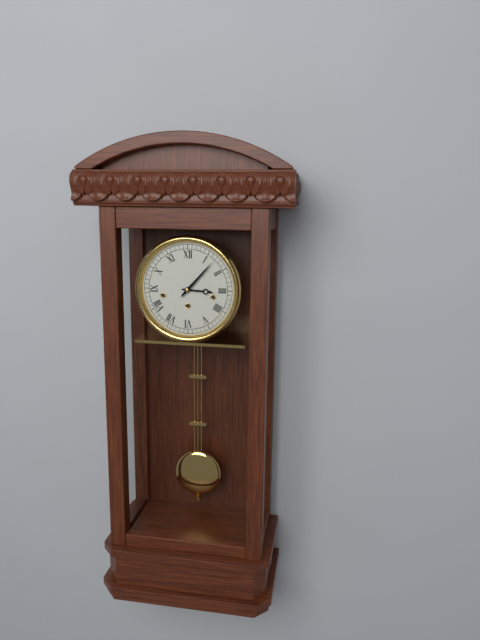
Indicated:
3.07
